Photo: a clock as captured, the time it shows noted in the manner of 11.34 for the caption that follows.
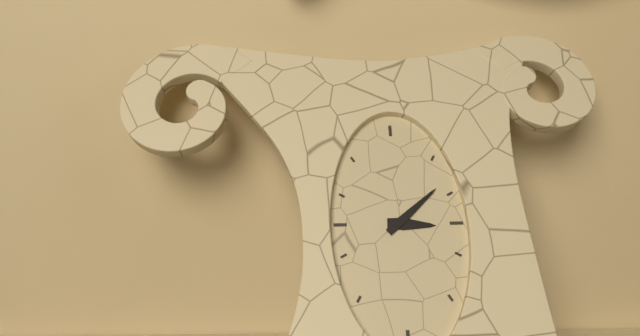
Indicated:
3.08
